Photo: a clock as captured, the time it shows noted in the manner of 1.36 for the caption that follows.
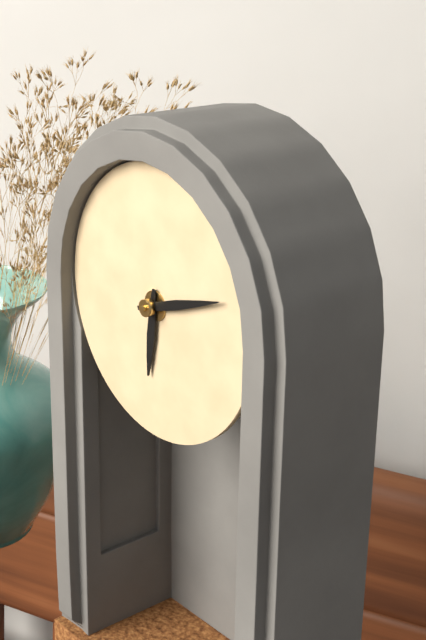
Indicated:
6.12
